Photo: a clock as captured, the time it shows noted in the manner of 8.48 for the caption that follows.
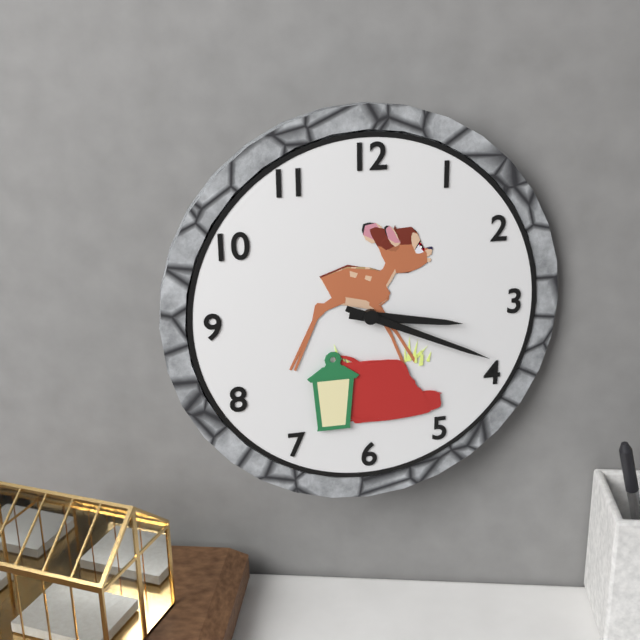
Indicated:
3.19
